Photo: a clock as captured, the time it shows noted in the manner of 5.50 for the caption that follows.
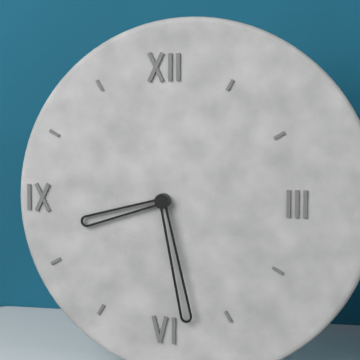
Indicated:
8.28
